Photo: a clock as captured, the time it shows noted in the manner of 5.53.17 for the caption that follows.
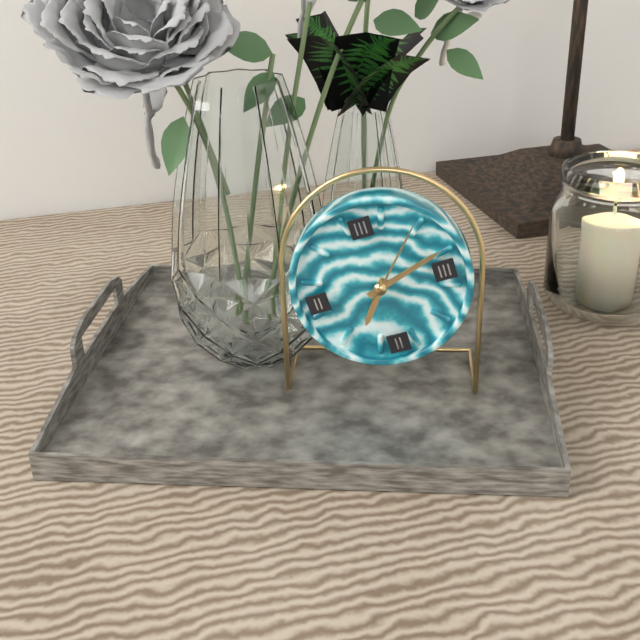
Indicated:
7.12.07
